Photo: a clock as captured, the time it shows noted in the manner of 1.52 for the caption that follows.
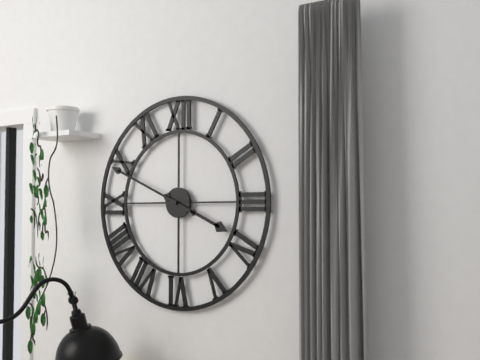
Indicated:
3.49
